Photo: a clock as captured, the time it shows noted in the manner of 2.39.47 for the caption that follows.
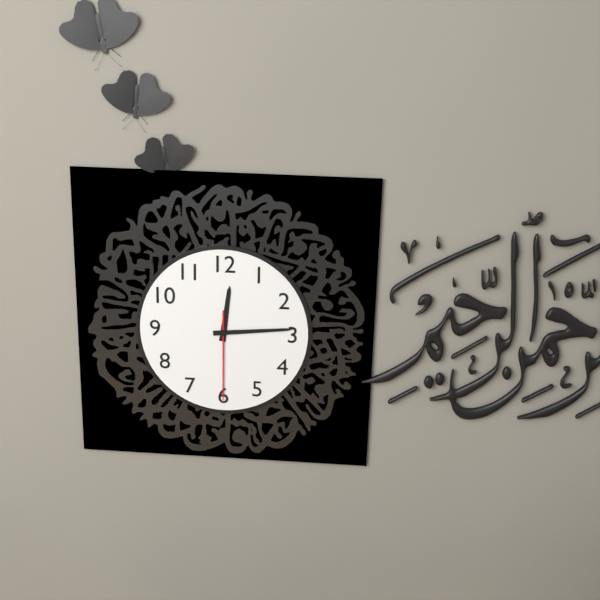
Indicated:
12.14.30
